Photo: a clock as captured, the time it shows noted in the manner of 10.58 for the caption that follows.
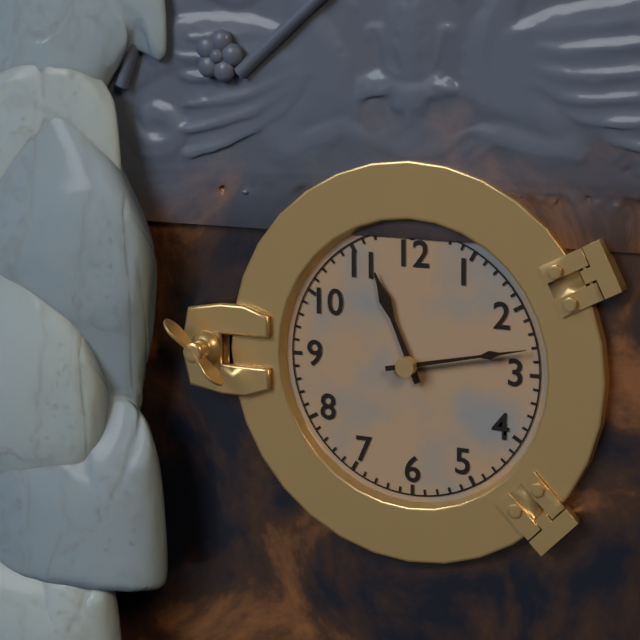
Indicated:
11.13
